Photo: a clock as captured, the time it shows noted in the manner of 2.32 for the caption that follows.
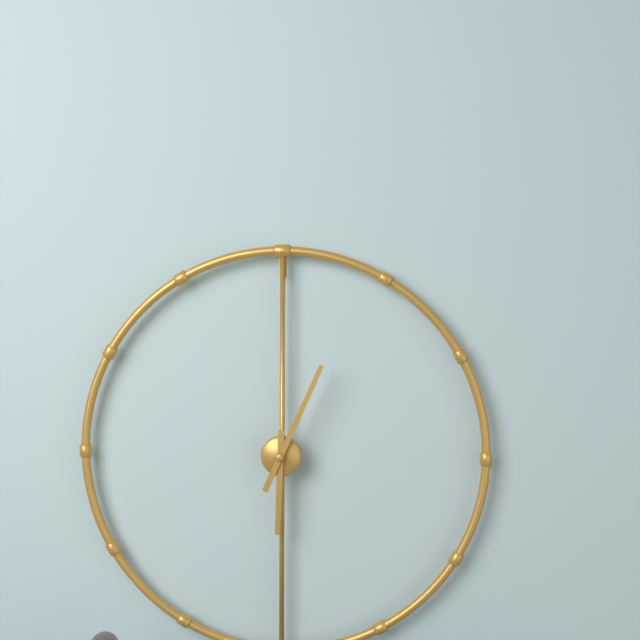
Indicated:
6.04
